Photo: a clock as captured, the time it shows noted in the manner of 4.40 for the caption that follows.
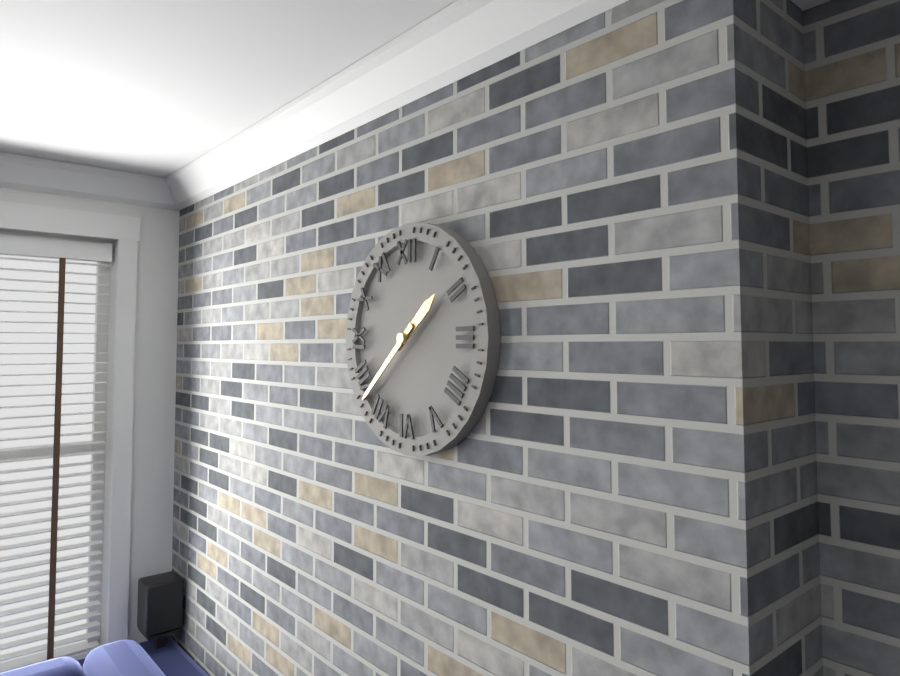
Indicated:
1.38
